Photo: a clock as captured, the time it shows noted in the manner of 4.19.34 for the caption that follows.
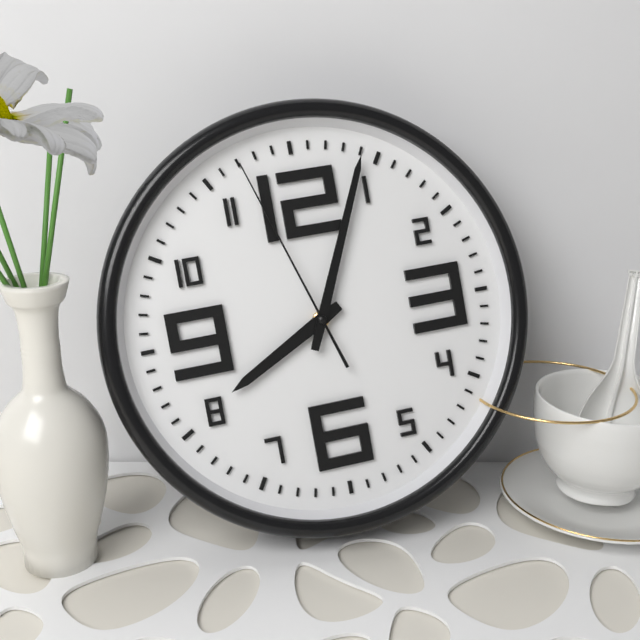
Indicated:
8.04.57
